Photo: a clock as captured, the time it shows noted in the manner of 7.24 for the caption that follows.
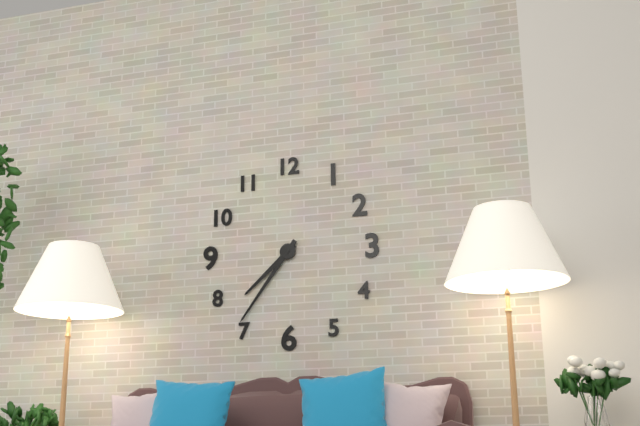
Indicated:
7.36
